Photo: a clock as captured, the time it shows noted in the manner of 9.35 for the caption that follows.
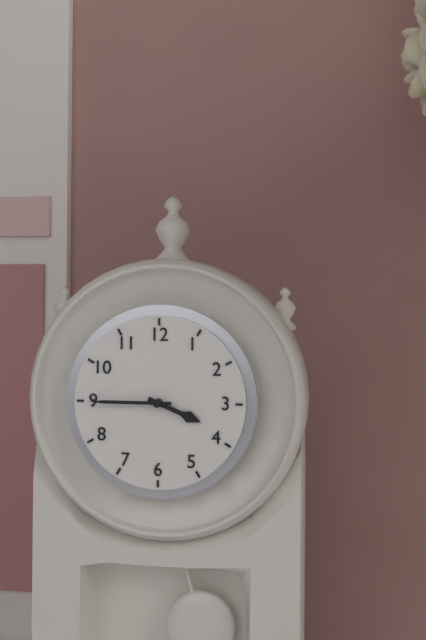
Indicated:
3.45
